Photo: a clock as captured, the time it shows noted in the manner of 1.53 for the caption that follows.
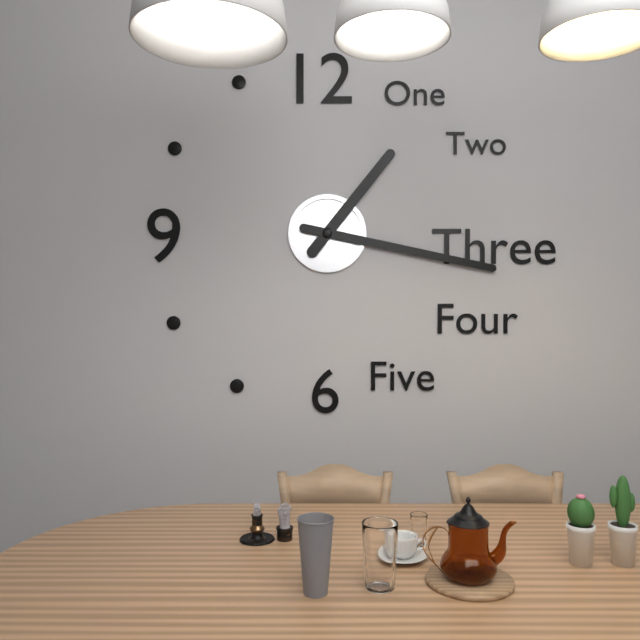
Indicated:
1.17
